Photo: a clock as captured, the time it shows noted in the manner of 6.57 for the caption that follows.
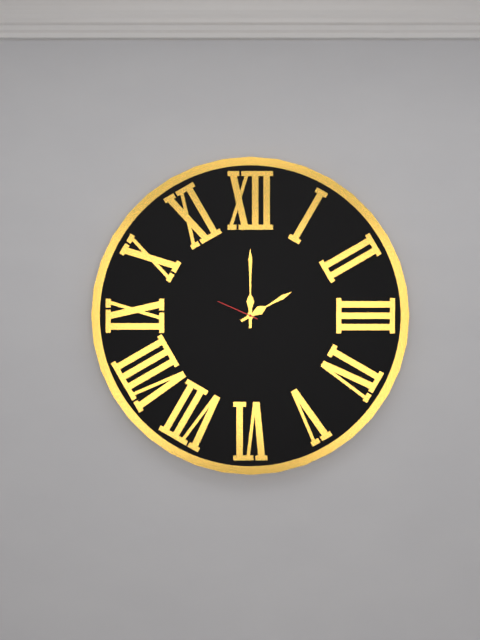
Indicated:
2.00
